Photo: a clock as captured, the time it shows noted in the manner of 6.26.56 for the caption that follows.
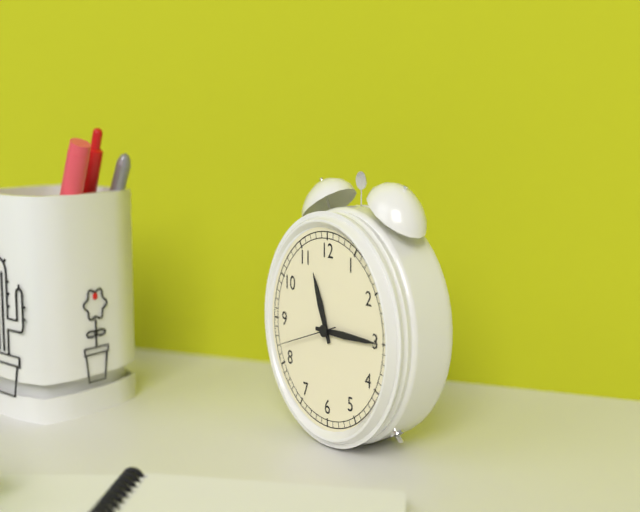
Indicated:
11.15.42
